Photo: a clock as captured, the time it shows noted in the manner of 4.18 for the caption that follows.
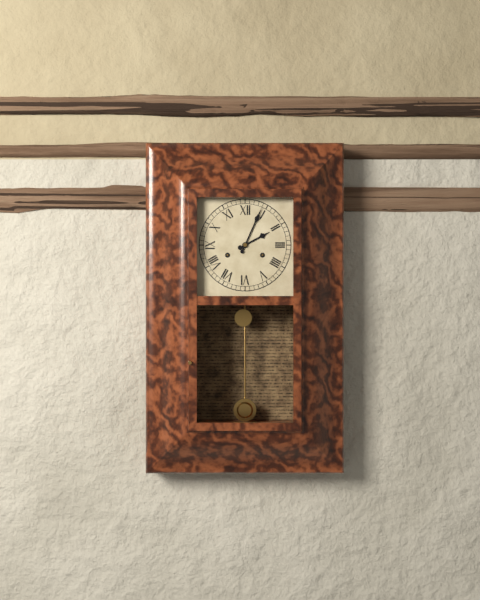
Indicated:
2.04
